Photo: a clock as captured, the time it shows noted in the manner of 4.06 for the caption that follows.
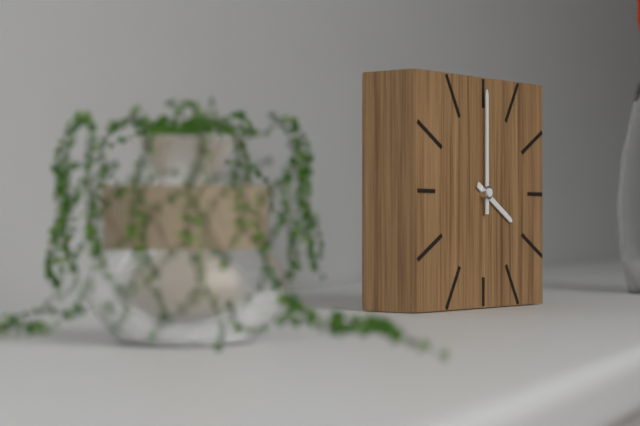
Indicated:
4.00
